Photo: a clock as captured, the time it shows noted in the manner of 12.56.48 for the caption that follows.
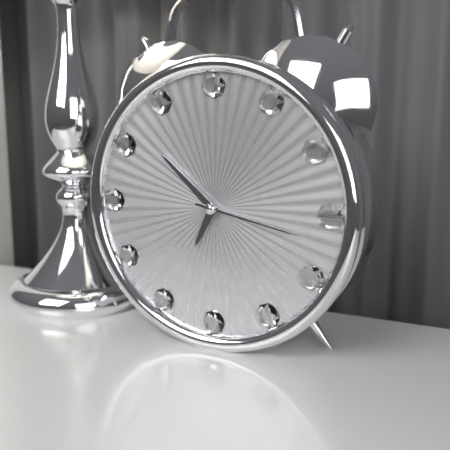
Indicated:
6.52.17
